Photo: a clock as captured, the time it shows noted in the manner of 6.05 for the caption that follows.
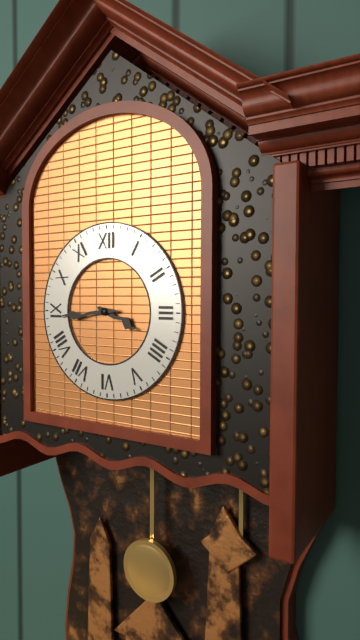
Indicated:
3.44
